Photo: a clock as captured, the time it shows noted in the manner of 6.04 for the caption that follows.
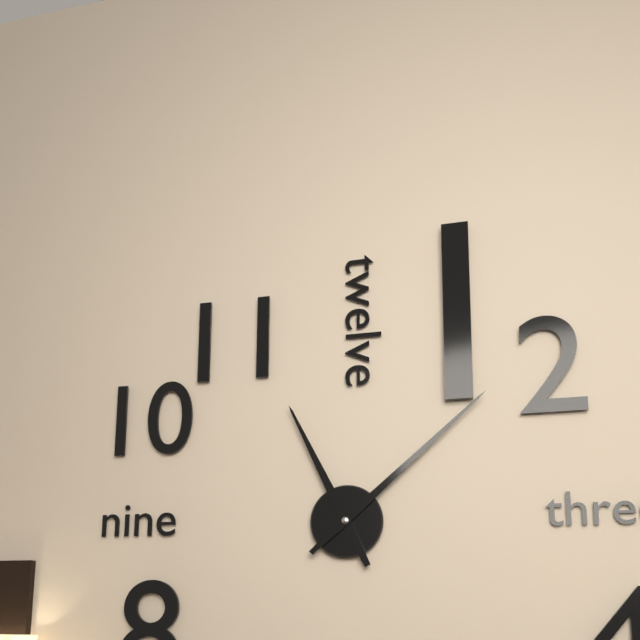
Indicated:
11.08
